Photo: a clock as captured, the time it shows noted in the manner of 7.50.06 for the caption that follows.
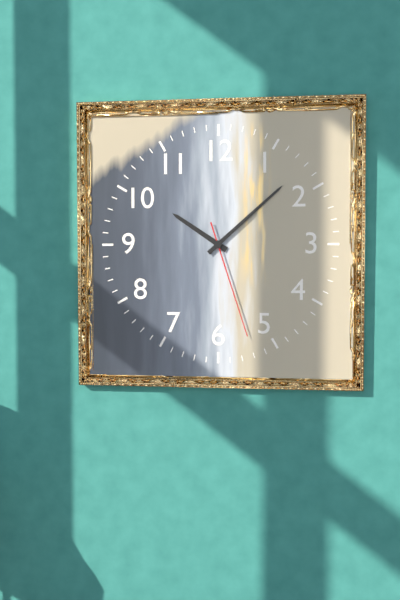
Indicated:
10.08.27
